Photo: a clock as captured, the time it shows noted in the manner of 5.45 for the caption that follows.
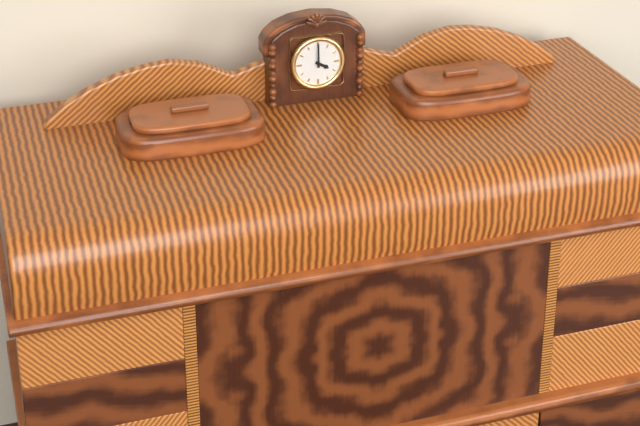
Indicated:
4.00
